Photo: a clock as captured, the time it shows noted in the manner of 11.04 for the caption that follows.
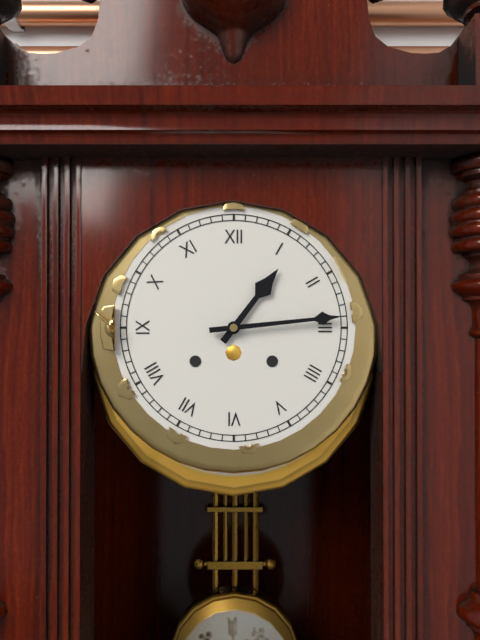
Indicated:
1.14
